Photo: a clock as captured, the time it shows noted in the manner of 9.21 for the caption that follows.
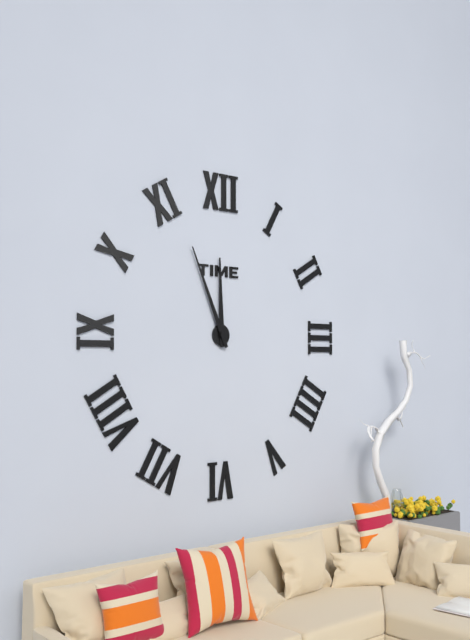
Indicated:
11.56
